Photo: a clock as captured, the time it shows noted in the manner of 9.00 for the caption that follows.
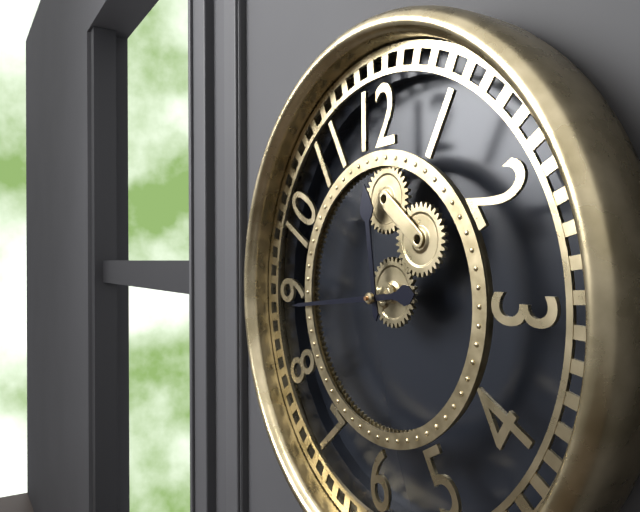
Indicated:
11.44
